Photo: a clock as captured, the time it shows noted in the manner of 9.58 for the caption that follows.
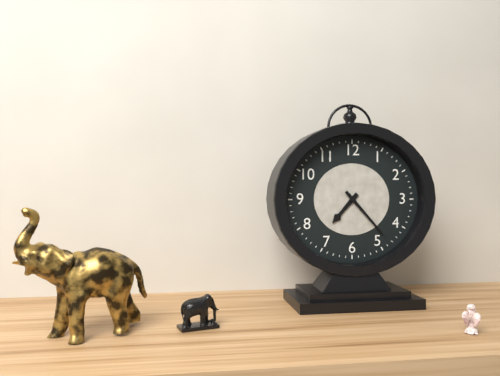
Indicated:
7.23
